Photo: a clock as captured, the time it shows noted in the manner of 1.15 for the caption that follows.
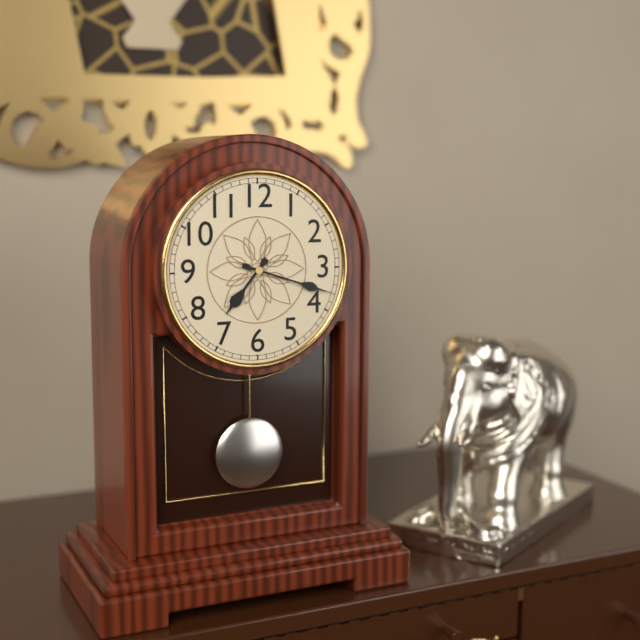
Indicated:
7.18
